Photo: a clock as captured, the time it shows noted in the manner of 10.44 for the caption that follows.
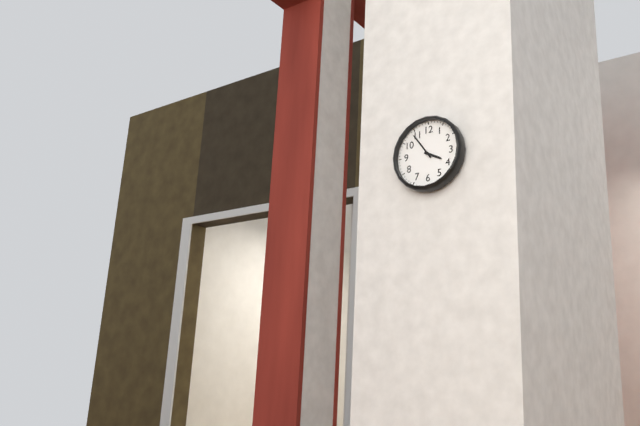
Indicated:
3.54
